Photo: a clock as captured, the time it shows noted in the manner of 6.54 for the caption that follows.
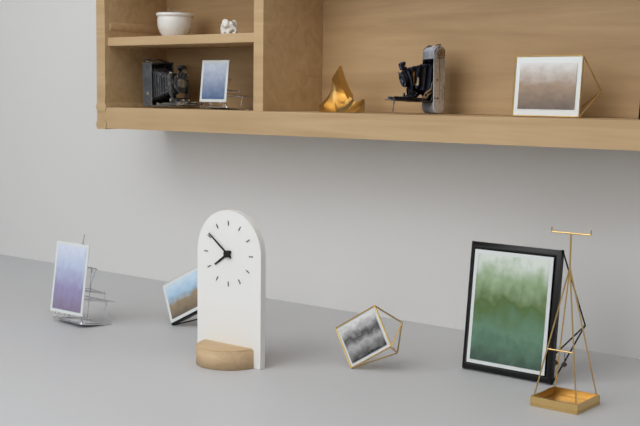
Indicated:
7.51
